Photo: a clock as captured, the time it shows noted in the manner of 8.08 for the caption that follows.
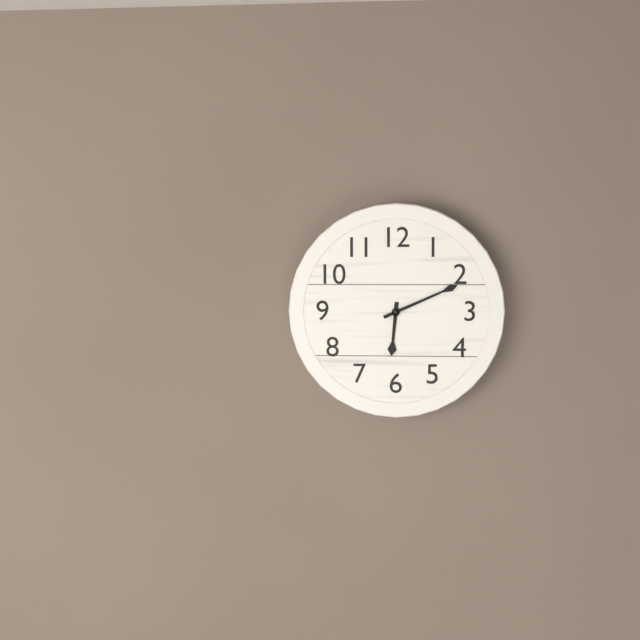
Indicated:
6.11
